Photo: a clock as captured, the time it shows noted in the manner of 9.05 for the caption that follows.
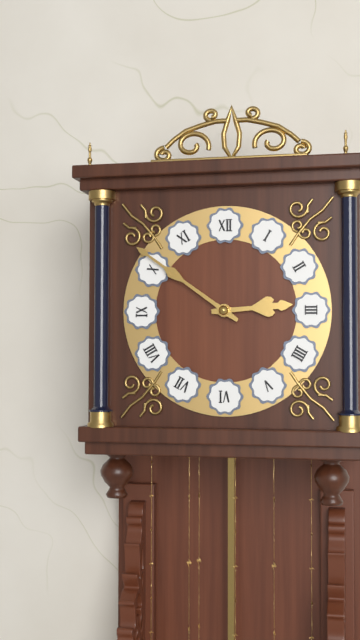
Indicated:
2.51
